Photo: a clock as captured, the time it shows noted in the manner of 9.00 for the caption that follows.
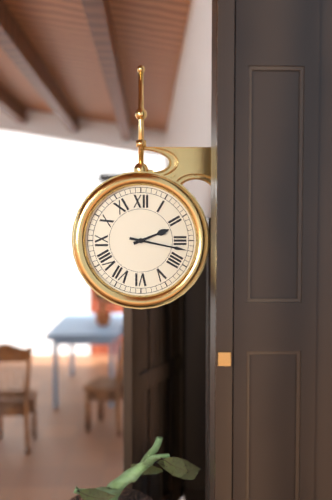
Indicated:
2.17
